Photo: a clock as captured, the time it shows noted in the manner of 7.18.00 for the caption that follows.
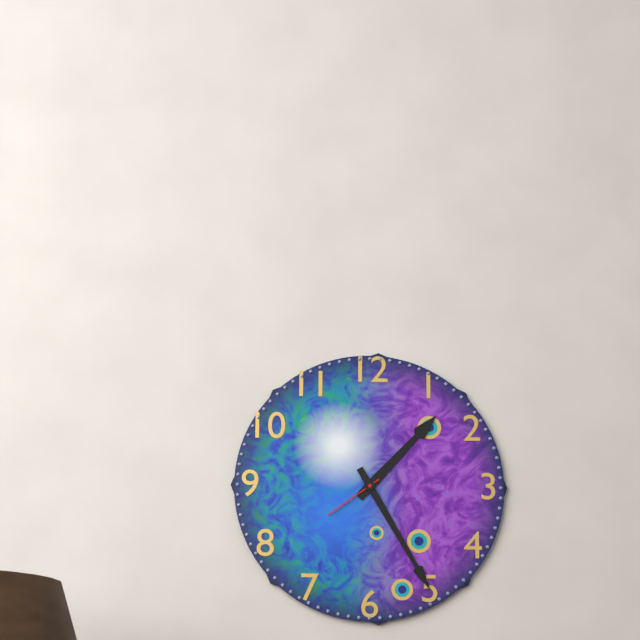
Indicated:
1.25.39
